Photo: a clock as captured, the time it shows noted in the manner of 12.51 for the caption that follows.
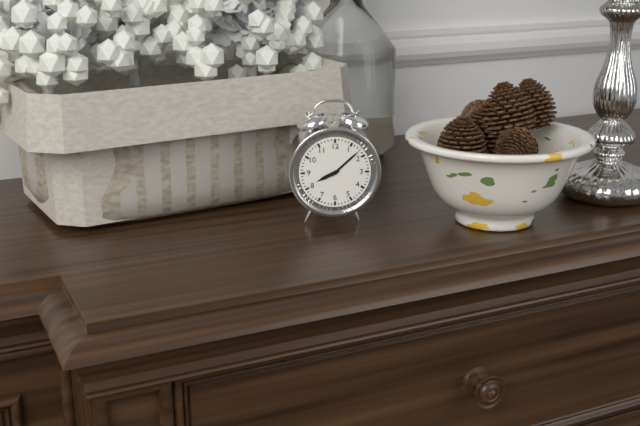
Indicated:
8.08
